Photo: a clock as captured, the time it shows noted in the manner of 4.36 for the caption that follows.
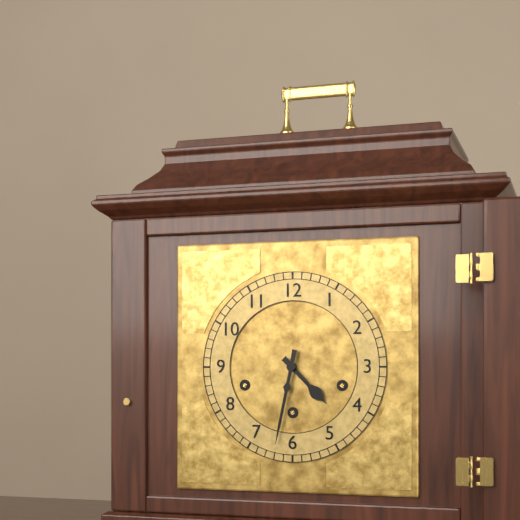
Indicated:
4.32
